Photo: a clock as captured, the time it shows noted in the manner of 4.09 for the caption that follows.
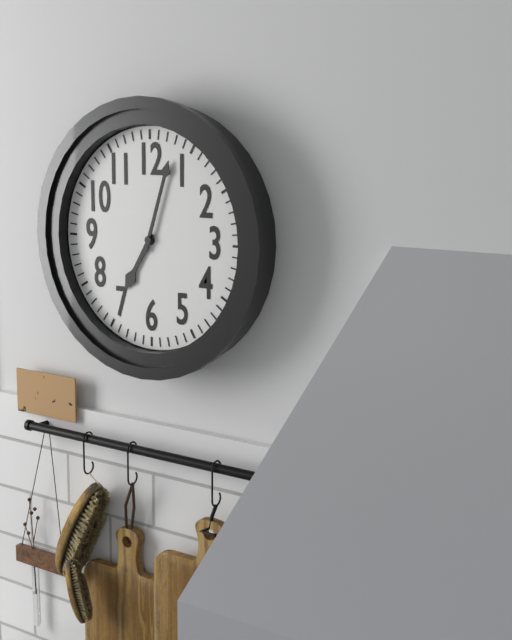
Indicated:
7.03
